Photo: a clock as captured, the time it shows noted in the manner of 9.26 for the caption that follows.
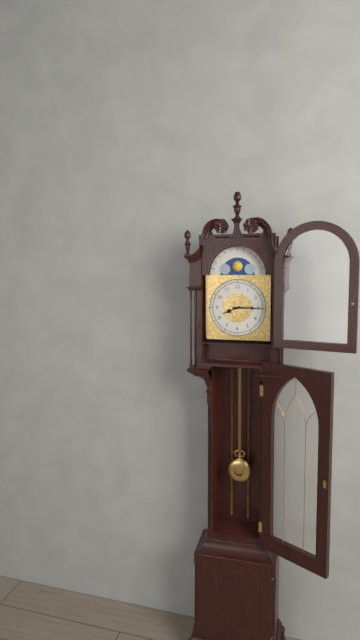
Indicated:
8.15
